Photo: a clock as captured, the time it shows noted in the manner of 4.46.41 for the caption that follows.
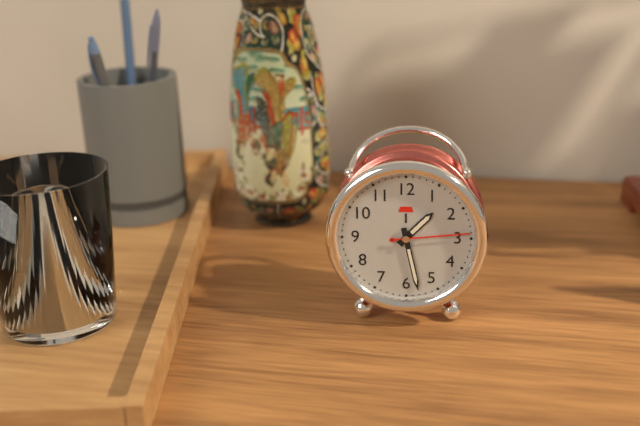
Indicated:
1.28.14
